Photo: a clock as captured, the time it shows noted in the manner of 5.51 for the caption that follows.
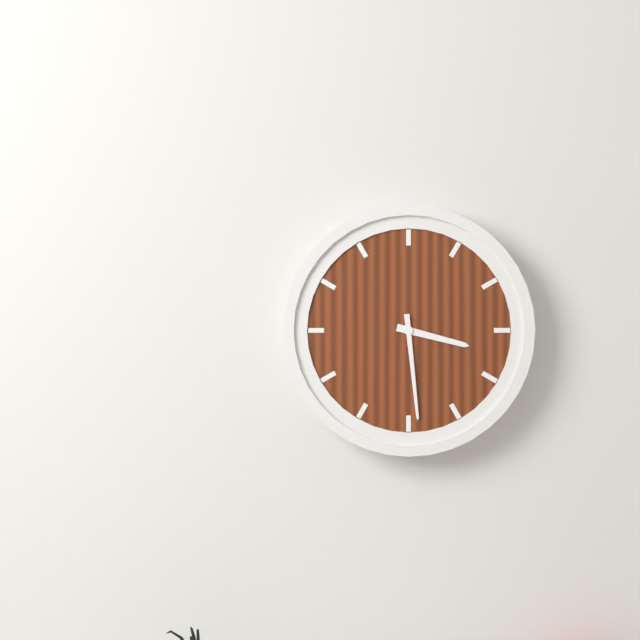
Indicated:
3.29
